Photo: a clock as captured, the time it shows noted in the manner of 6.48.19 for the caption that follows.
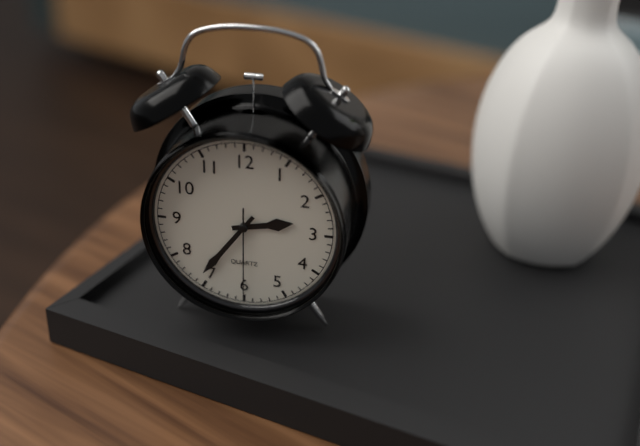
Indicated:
2.36.30
